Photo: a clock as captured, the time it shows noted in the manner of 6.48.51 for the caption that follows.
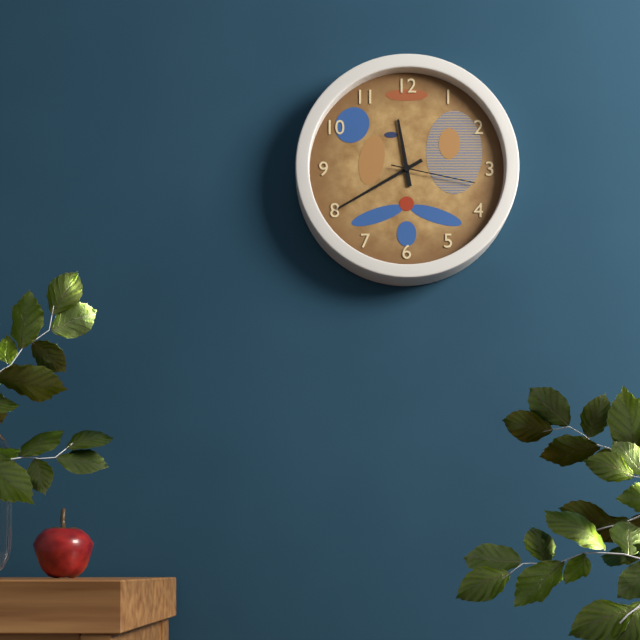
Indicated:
11.40.17
